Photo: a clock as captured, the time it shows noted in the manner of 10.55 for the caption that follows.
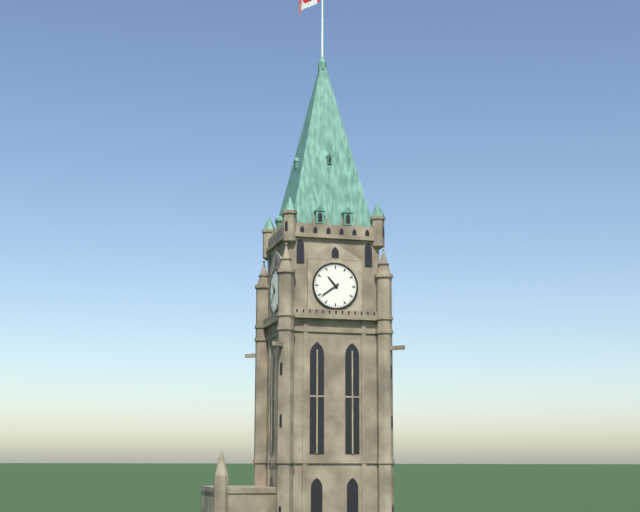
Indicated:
10.39
